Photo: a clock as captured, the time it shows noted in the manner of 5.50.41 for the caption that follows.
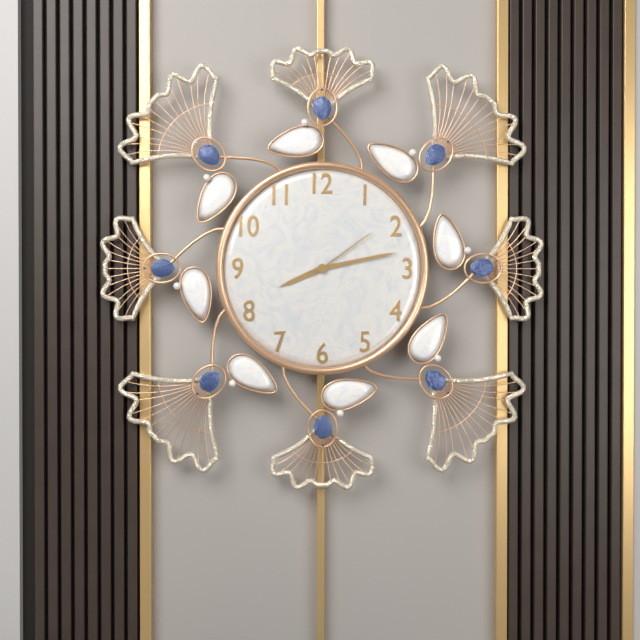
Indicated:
8.13.09
